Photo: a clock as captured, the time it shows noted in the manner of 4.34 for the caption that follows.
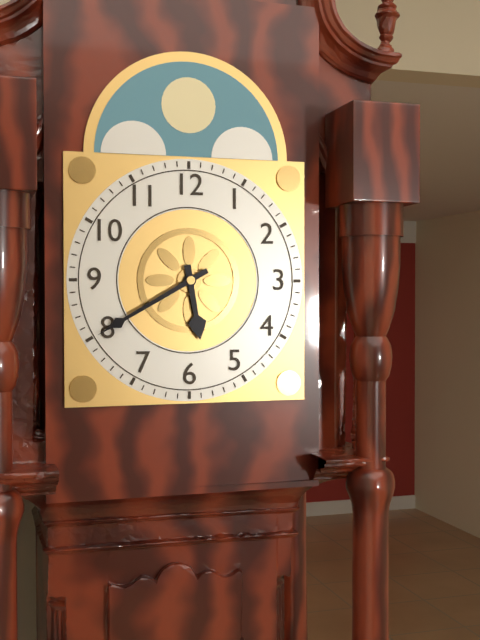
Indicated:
5.40
